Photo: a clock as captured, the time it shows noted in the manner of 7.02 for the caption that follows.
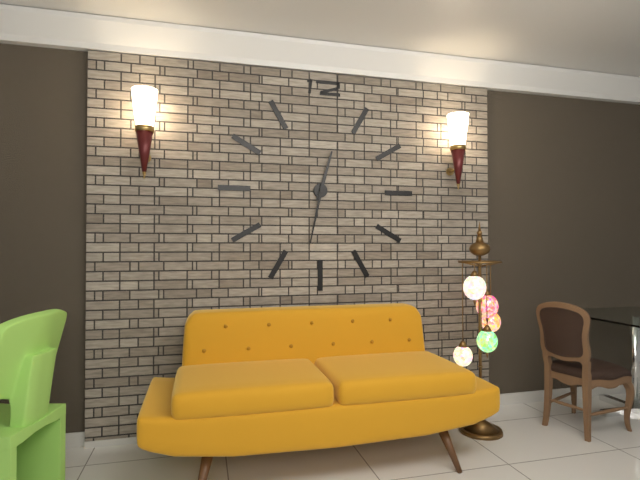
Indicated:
12.32
